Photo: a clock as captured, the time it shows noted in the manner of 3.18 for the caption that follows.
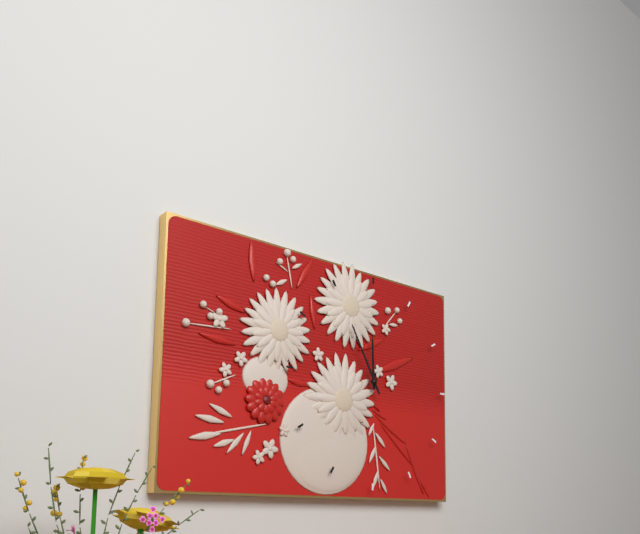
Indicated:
11.55
